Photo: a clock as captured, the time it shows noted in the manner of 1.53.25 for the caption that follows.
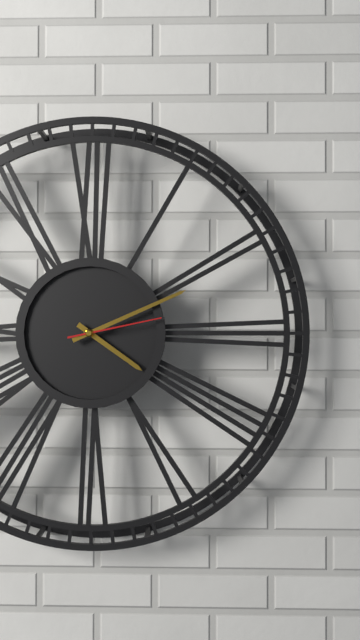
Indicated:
4.11.13
